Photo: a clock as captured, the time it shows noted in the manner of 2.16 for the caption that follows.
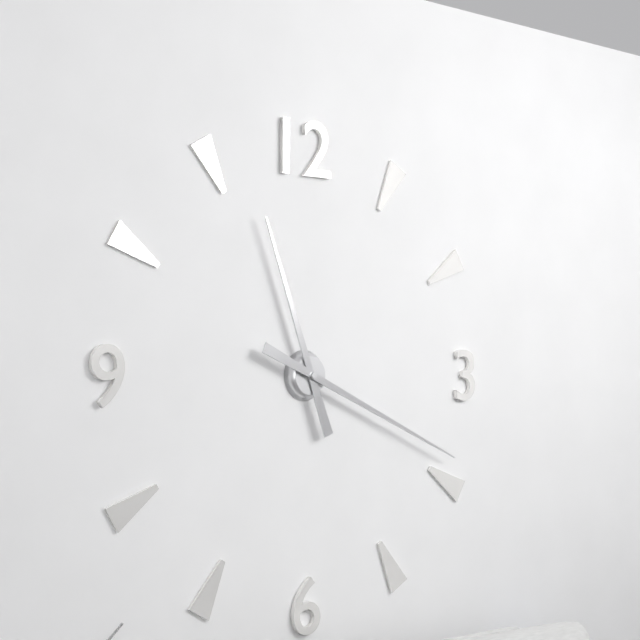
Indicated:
11.19
